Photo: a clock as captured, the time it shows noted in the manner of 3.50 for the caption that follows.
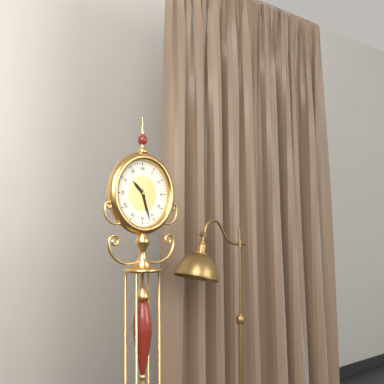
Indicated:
10.27
